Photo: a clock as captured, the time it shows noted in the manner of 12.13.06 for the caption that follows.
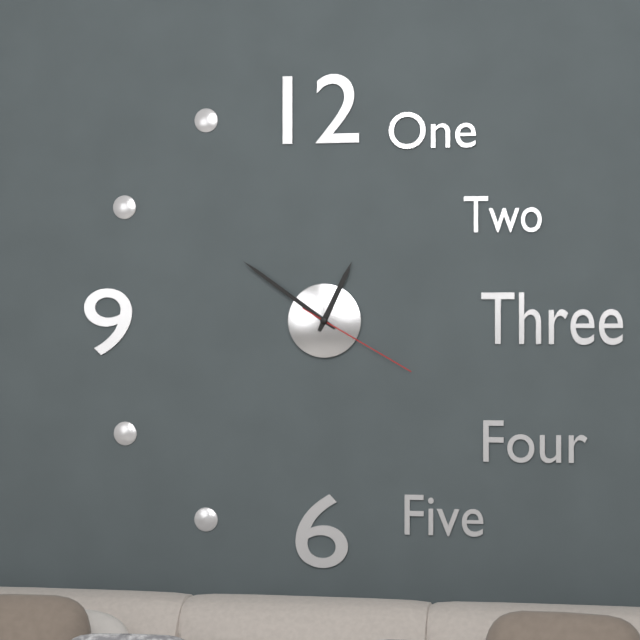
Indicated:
12.51.20
